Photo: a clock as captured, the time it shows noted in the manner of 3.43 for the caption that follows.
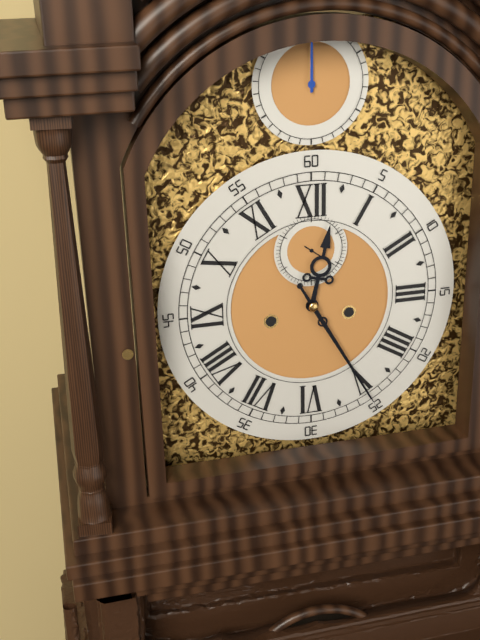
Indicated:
12.25
